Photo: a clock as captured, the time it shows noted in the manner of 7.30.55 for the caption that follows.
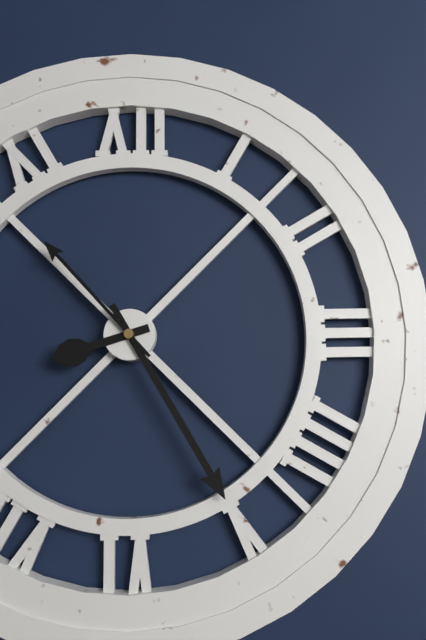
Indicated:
8.25.53
